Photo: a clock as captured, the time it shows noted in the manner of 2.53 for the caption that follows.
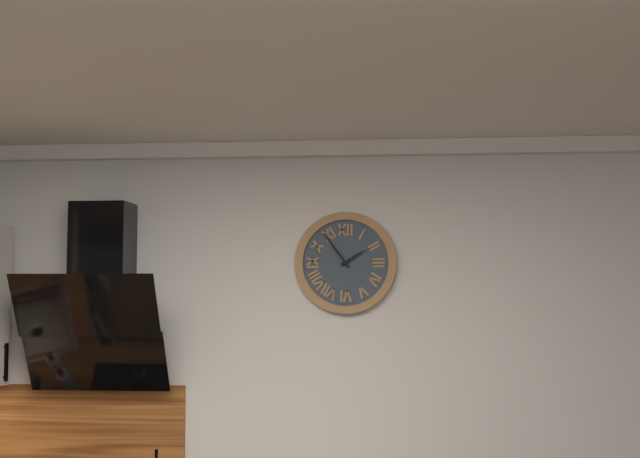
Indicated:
1.54
